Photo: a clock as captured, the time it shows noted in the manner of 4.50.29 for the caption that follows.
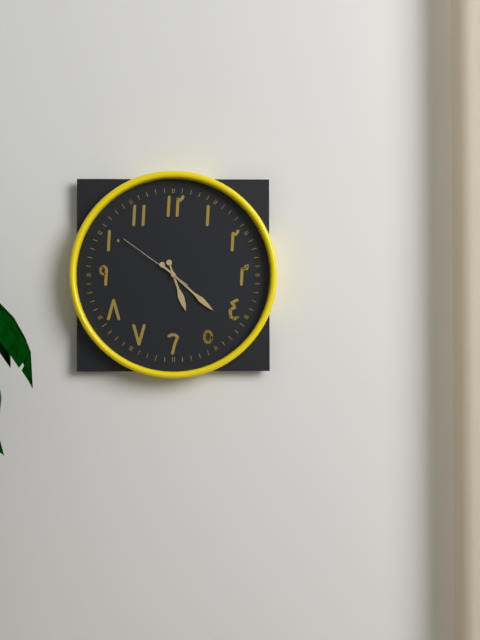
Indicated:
5.22.51
